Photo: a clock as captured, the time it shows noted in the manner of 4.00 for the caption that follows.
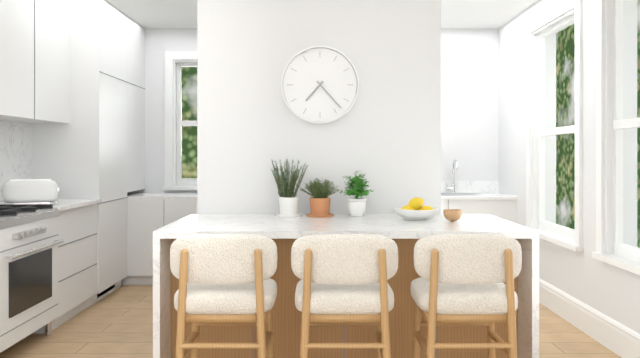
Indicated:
7.23
